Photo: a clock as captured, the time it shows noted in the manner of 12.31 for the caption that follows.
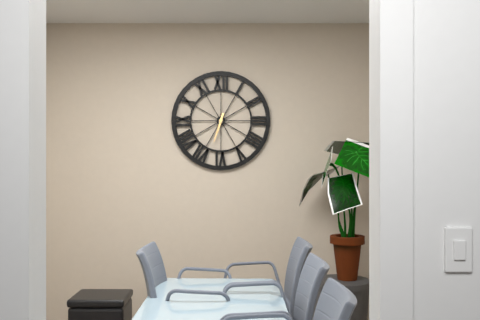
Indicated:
6.33
